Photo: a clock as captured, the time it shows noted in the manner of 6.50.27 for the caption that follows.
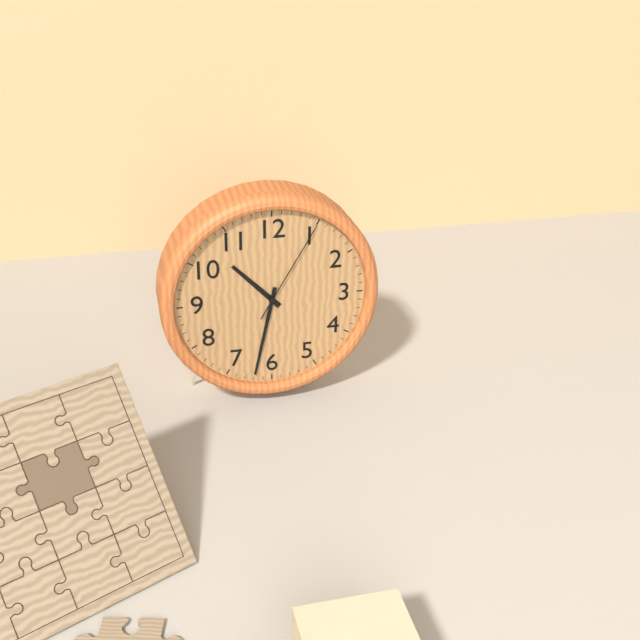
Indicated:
10.32.05
